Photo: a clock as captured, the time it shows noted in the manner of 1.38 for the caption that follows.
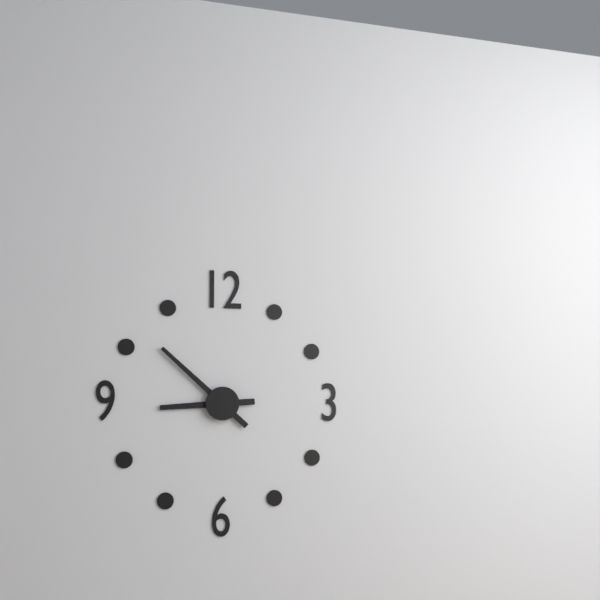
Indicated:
8.52
